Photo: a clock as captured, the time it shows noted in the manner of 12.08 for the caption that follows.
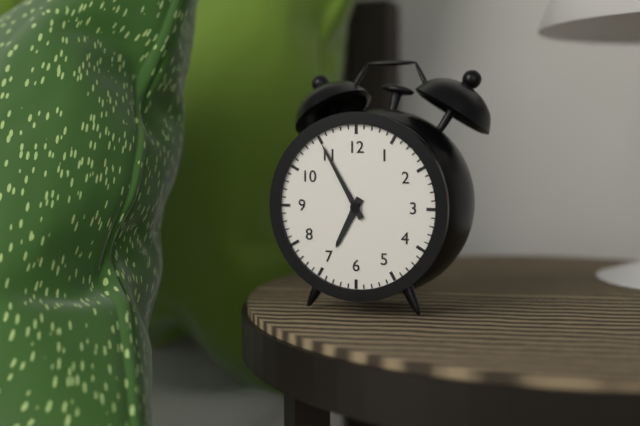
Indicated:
6.55
